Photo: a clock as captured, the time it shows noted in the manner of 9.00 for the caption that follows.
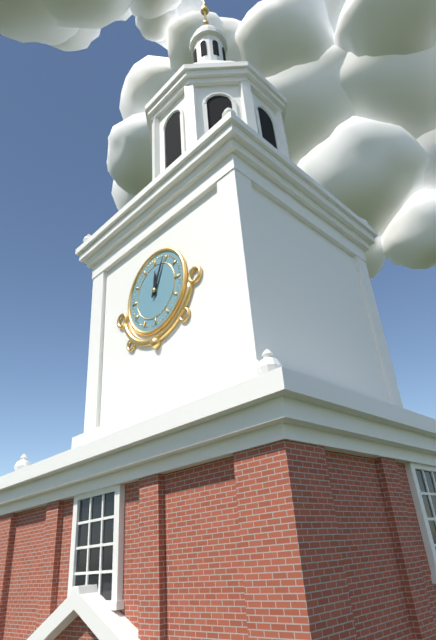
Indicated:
12.04
